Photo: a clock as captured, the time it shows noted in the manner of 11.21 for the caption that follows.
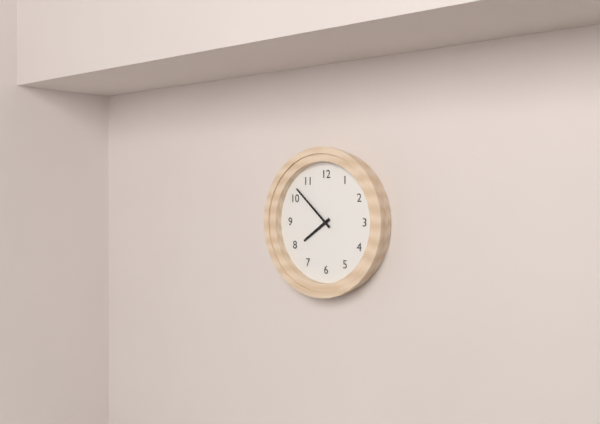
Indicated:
7.52
